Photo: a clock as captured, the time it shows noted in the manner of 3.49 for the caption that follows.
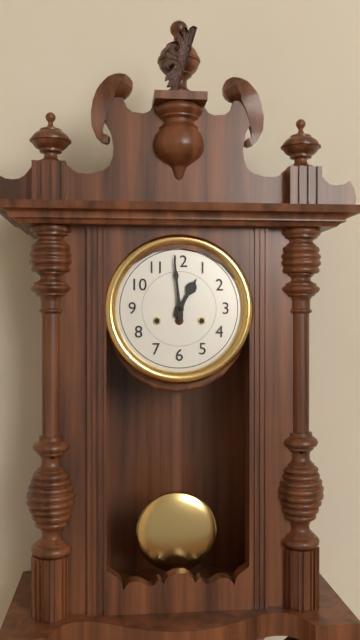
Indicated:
12.59
